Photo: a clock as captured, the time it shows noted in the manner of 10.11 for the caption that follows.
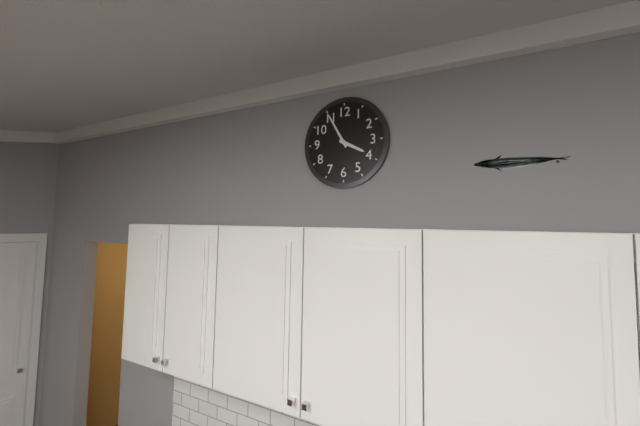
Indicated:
3.55
